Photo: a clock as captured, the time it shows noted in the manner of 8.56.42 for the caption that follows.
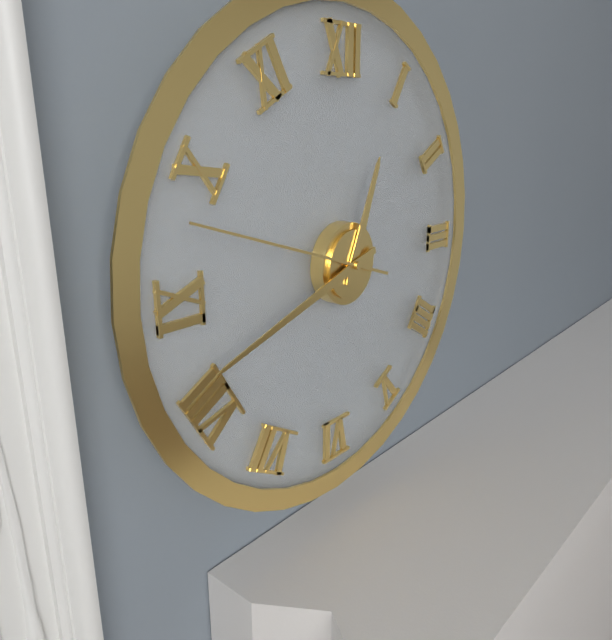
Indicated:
12.42.48
